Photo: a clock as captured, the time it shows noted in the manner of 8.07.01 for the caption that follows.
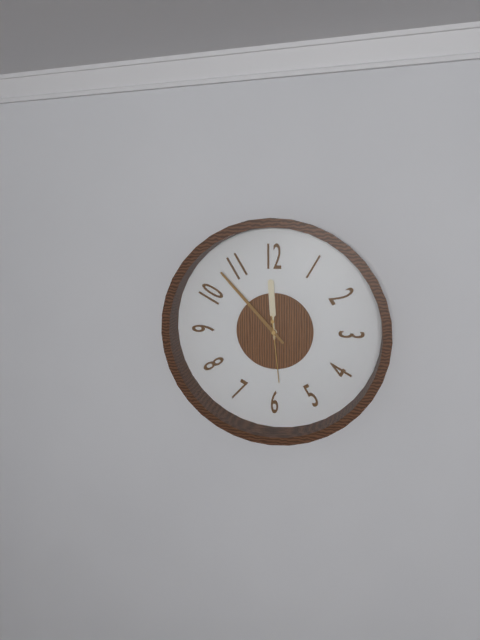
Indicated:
11.53.29
